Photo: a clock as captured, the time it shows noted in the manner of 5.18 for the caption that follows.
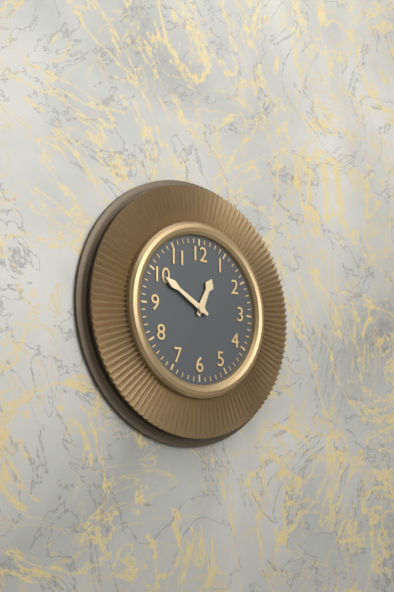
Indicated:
12.50
